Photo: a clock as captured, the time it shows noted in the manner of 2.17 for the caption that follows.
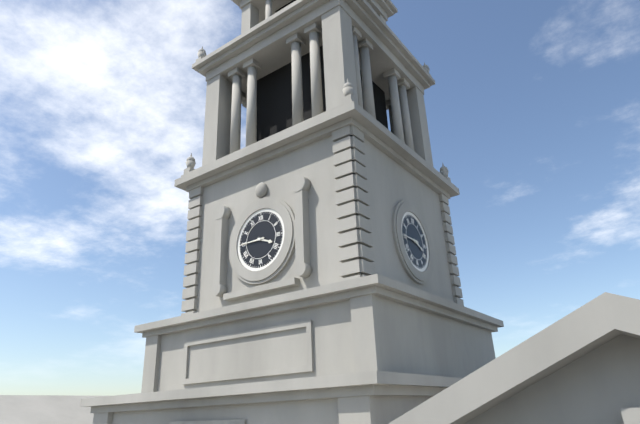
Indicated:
3.45
